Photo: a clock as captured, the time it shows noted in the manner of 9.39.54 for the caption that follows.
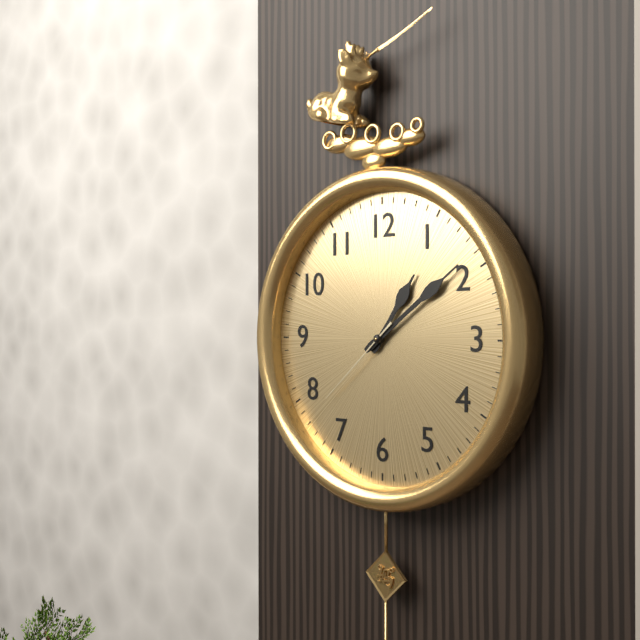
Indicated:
1.09.38
